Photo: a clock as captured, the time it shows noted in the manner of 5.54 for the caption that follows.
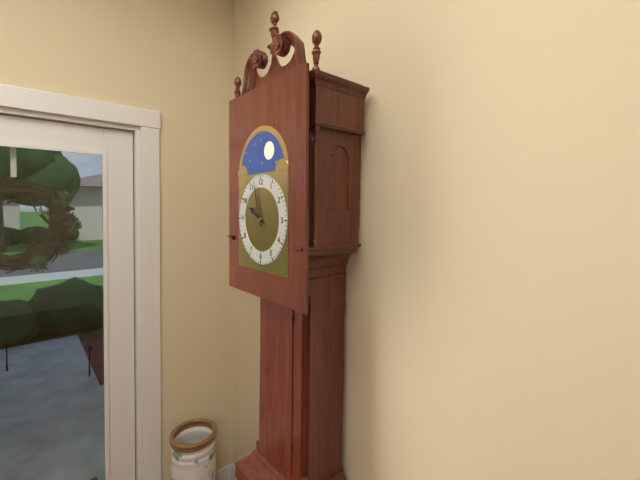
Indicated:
9.57
